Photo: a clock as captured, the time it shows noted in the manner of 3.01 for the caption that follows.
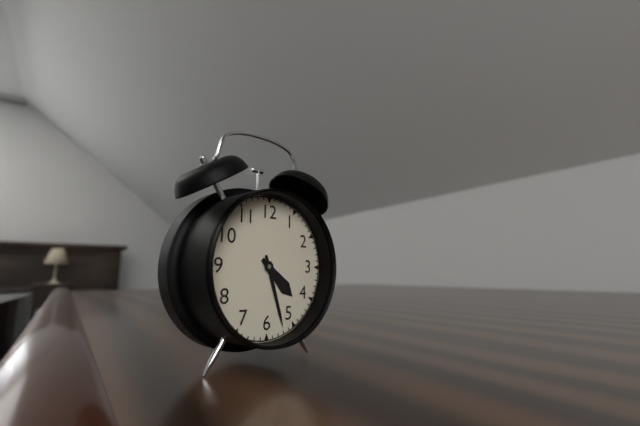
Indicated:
4.27
